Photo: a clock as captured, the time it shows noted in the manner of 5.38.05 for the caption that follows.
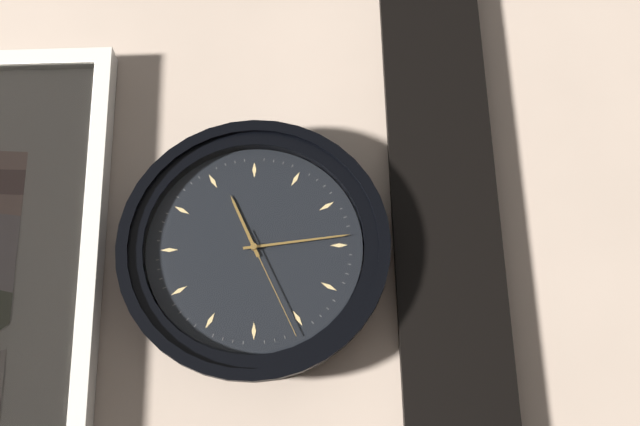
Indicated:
11.14.26
